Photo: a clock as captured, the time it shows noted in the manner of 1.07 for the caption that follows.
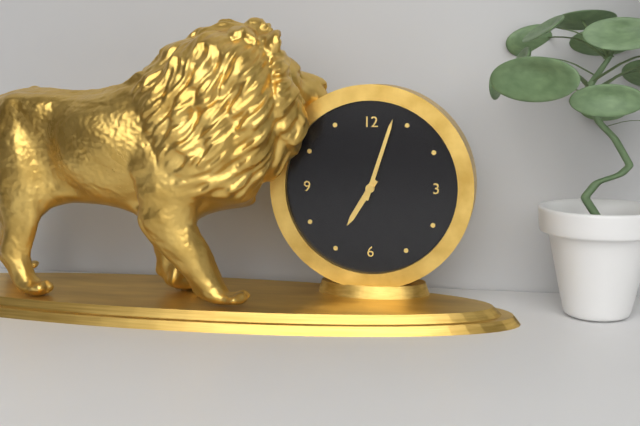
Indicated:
7.03
